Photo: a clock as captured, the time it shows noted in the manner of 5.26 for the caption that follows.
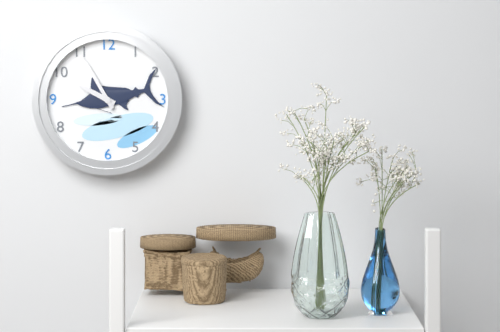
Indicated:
9.55
